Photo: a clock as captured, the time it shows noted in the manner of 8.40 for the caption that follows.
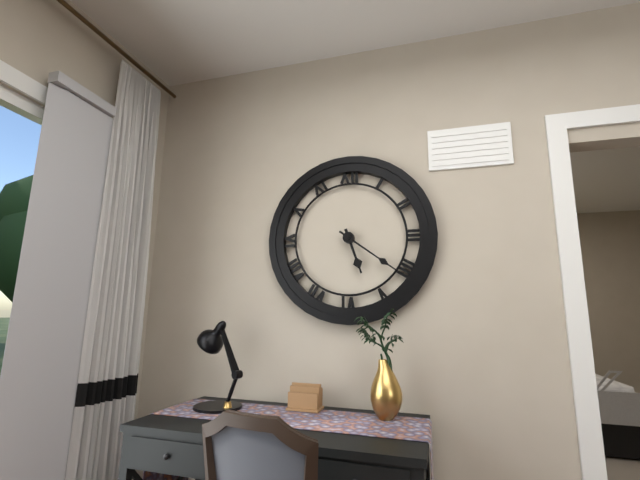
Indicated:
5.21
